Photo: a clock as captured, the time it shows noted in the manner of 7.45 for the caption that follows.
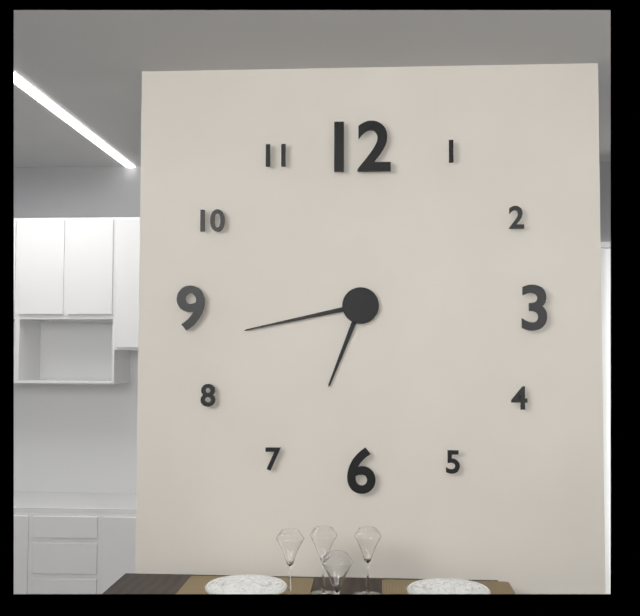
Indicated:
6.43
